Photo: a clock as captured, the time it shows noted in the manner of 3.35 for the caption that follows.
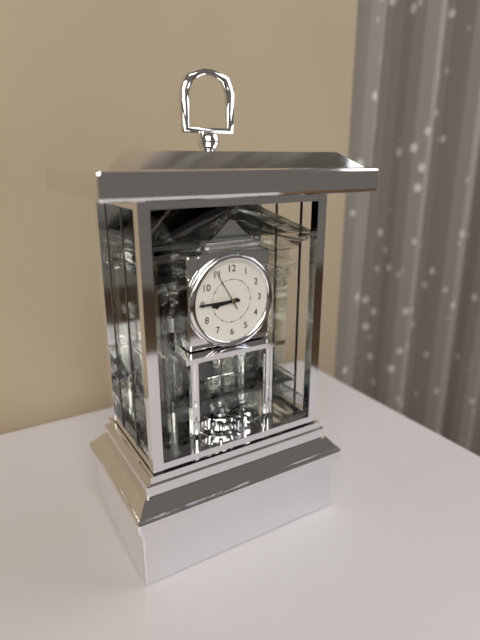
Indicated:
8.45
